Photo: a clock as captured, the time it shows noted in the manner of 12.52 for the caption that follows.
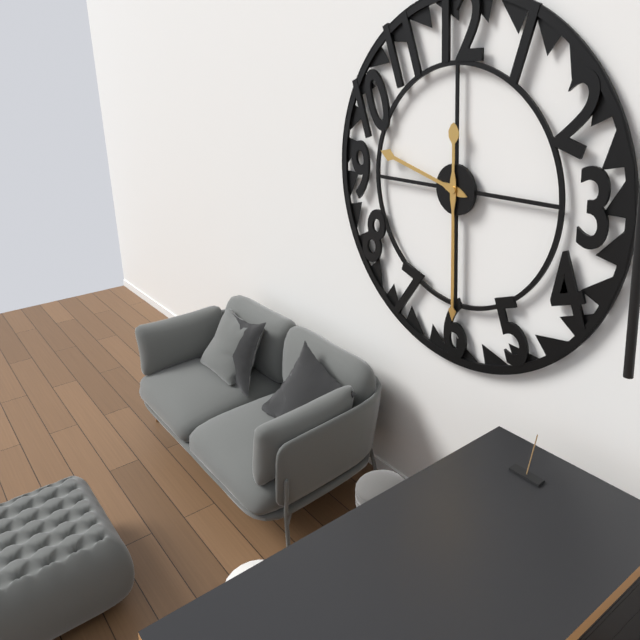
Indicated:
9.30
